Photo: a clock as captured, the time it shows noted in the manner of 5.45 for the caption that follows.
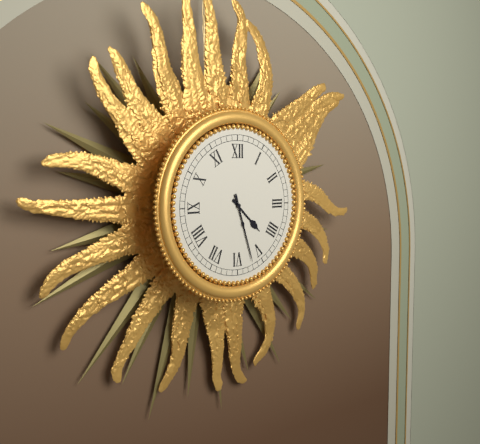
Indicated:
4.27
